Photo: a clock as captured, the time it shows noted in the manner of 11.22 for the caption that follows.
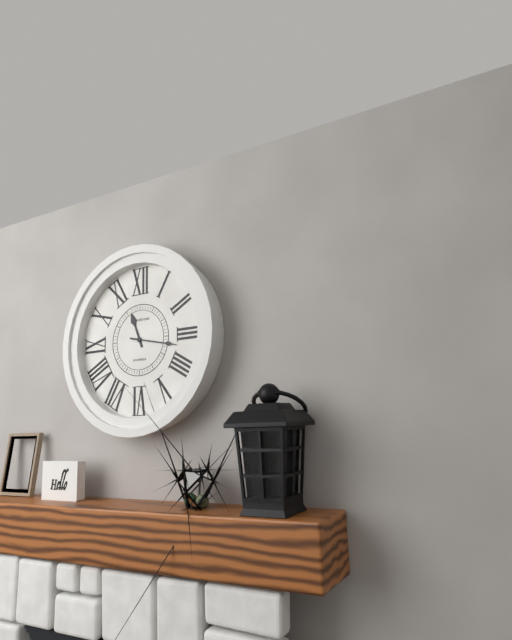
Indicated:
11.17
